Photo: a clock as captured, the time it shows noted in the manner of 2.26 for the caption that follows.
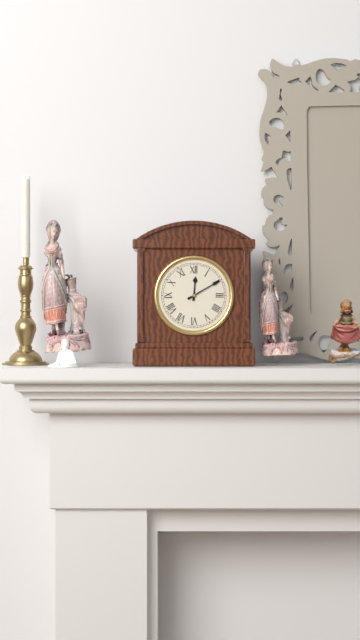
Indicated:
12.10
